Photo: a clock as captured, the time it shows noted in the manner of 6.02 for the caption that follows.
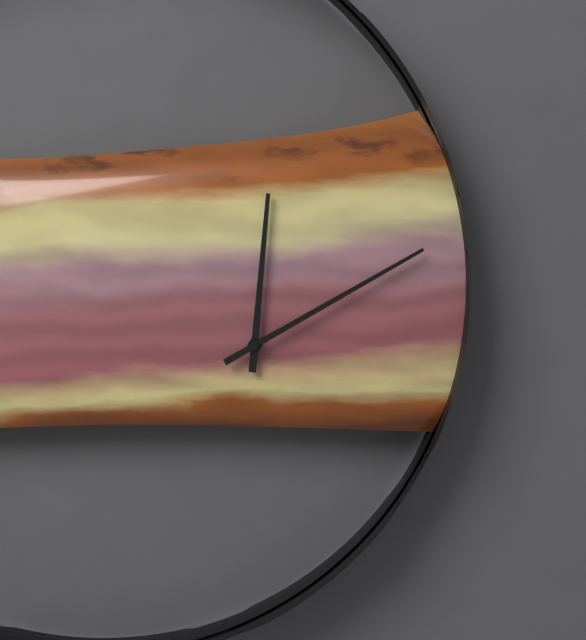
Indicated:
12.10
